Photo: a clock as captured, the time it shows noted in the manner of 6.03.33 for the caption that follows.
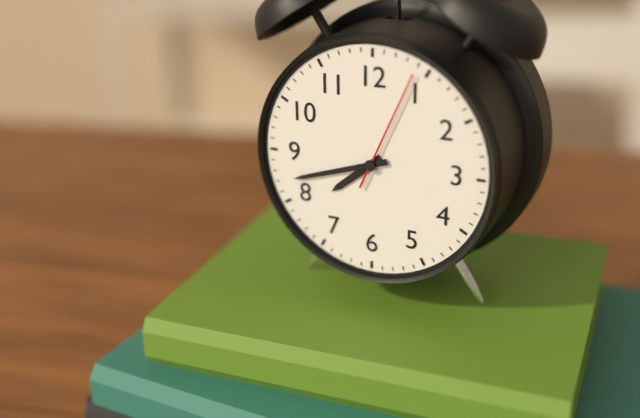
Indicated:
7.42.04
